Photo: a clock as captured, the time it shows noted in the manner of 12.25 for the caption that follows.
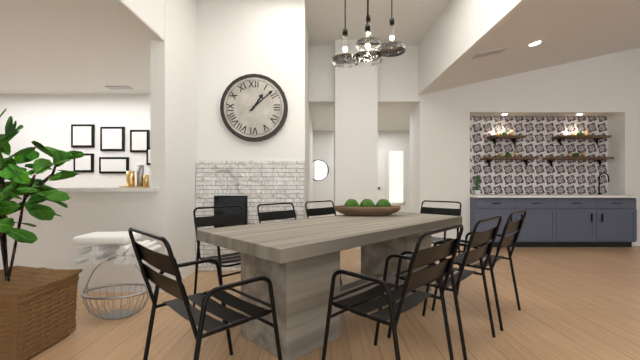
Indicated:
1.08
